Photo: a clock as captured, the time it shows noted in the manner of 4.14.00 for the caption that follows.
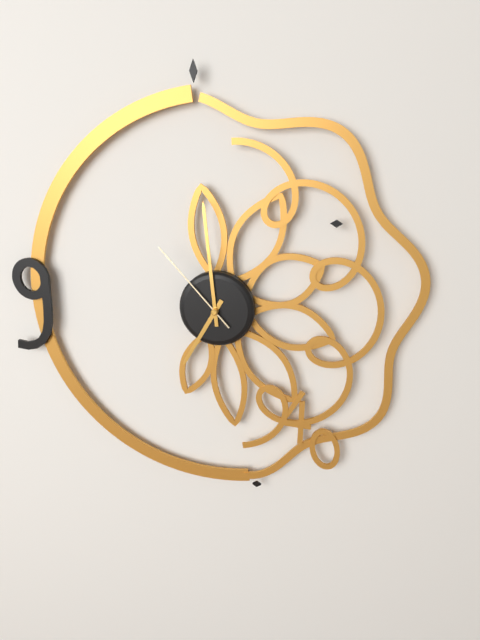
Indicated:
6.59.53
